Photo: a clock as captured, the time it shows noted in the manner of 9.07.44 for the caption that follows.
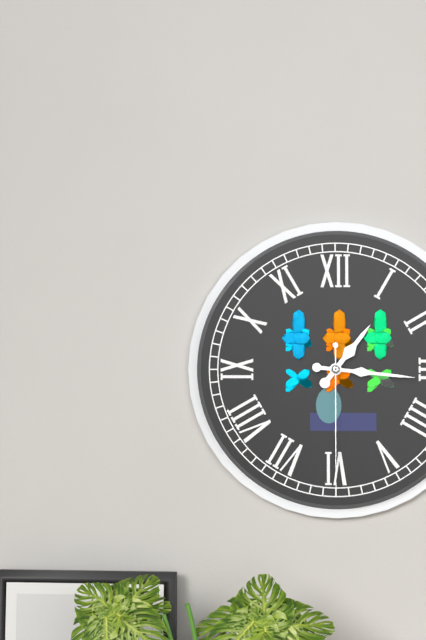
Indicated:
1.16.30
